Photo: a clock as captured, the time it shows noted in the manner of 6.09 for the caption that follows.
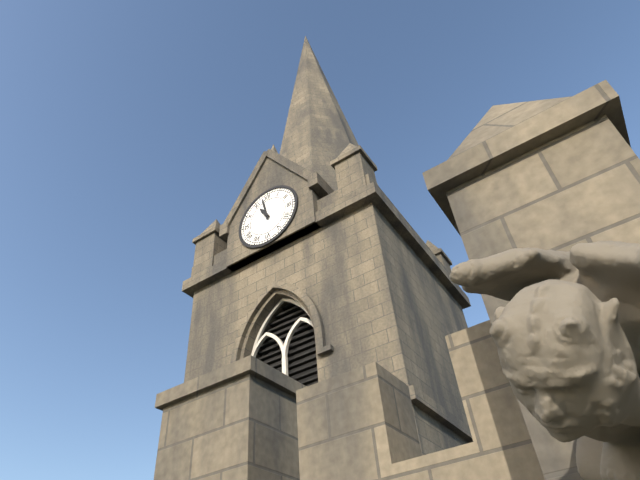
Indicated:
10.58
